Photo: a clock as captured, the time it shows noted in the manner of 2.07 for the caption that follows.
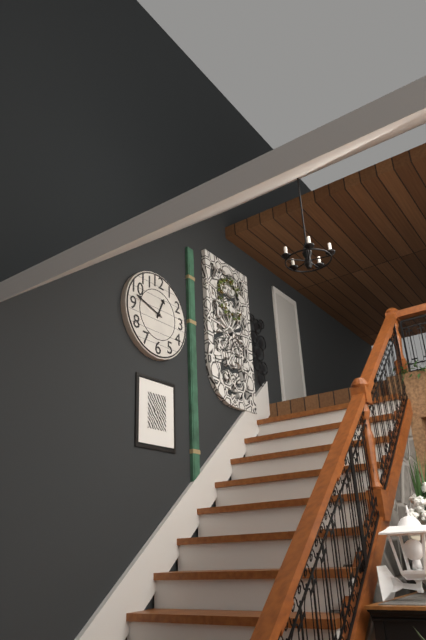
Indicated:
12.48
